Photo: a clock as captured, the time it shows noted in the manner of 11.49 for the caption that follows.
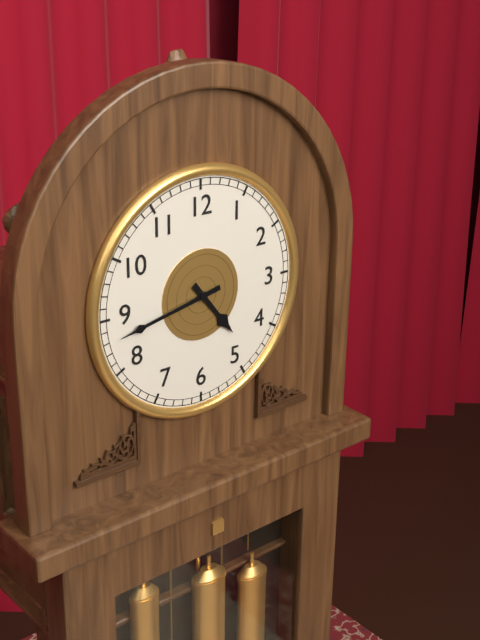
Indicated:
4.43
